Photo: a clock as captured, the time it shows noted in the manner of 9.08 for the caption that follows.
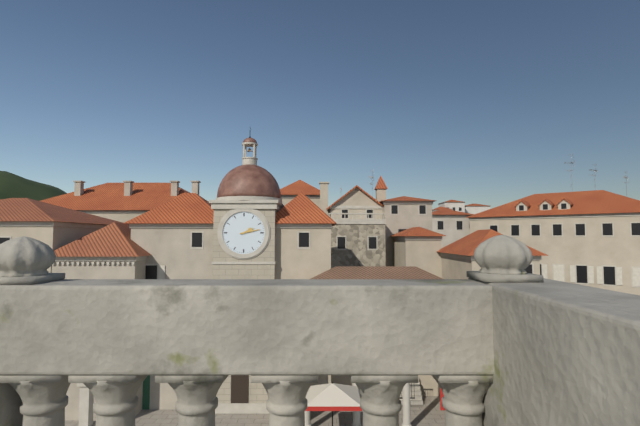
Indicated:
2.13
